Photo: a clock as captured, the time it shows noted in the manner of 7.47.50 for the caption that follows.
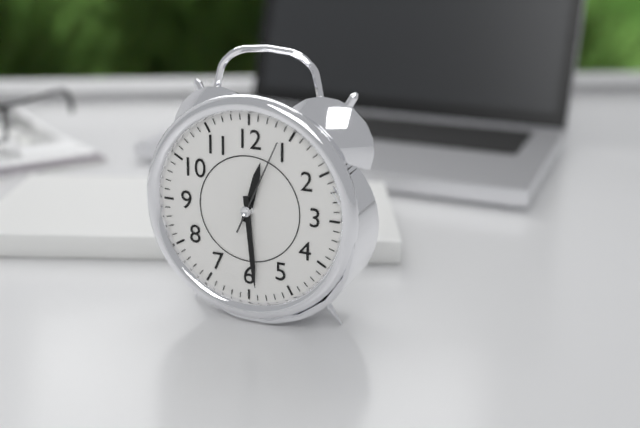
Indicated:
12.29.04
